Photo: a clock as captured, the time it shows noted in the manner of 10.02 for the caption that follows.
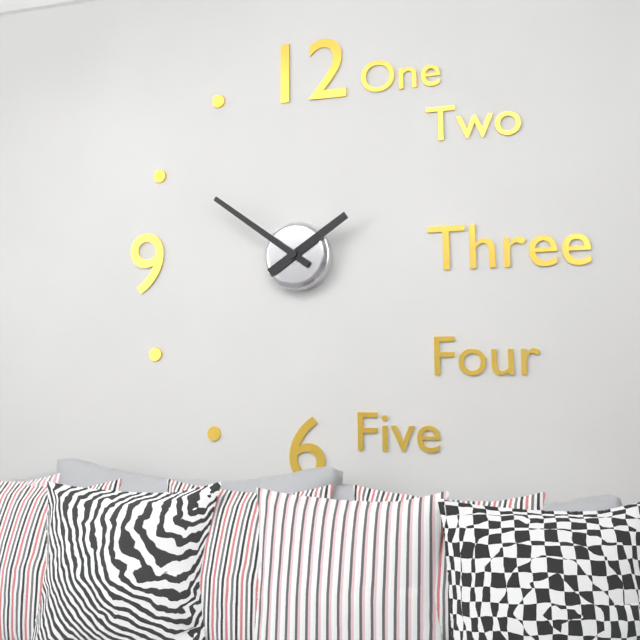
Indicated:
1.51
